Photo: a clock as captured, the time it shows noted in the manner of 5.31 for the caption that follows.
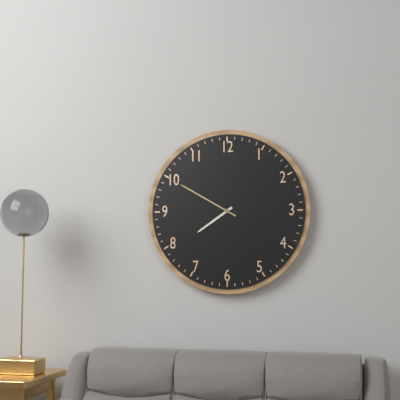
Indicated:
7.50
